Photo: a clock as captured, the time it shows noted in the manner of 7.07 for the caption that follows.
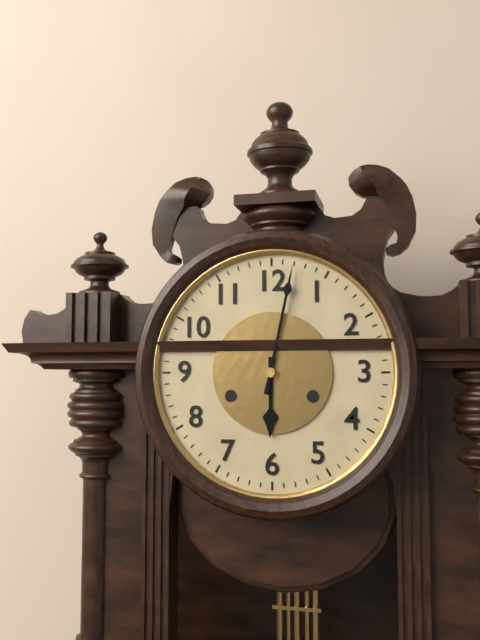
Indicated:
6.02
